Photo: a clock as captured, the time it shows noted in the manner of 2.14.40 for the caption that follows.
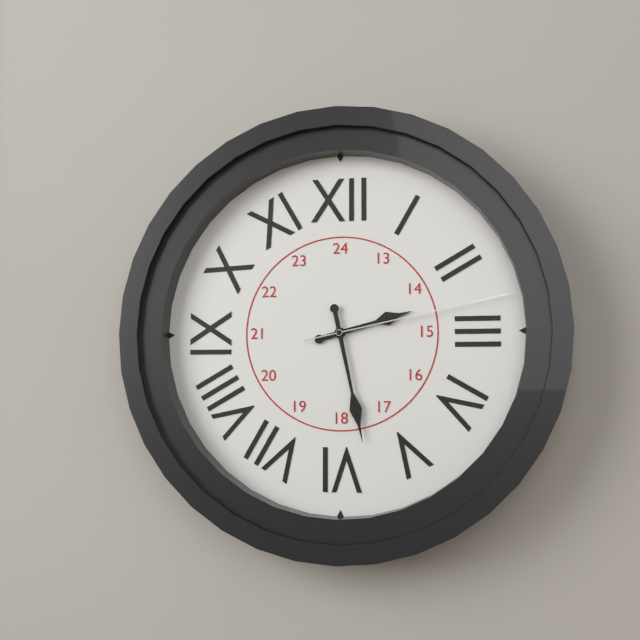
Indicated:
2.28.13
